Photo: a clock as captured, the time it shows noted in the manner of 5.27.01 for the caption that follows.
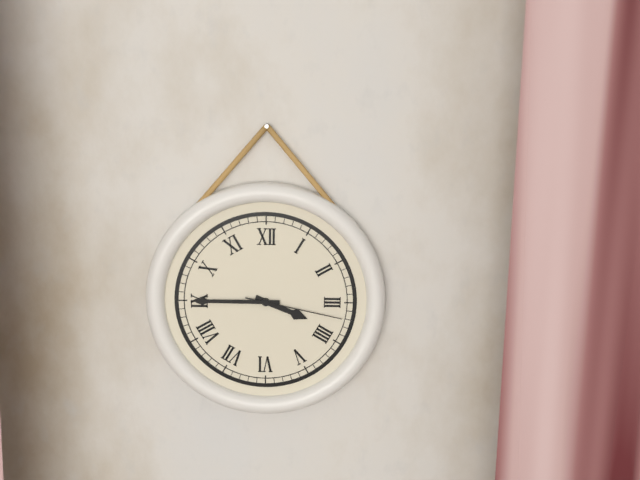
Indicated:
3.45.17
